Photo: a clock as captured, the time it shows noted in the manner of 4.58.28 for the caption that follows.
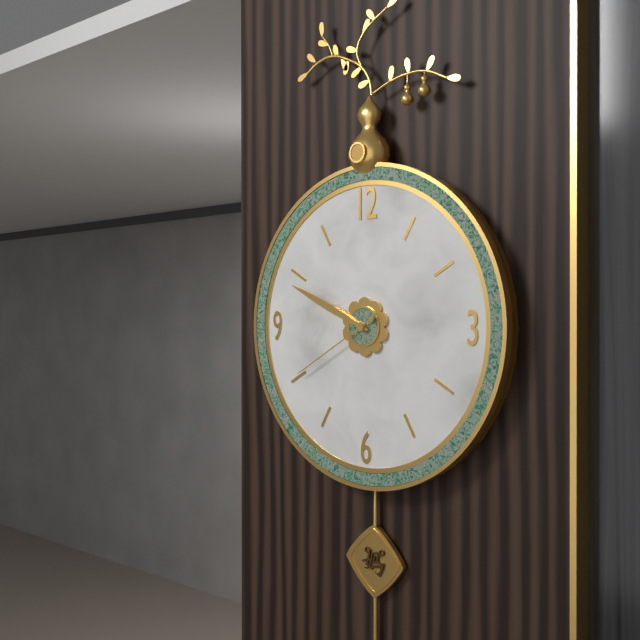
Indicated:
9.49.40
